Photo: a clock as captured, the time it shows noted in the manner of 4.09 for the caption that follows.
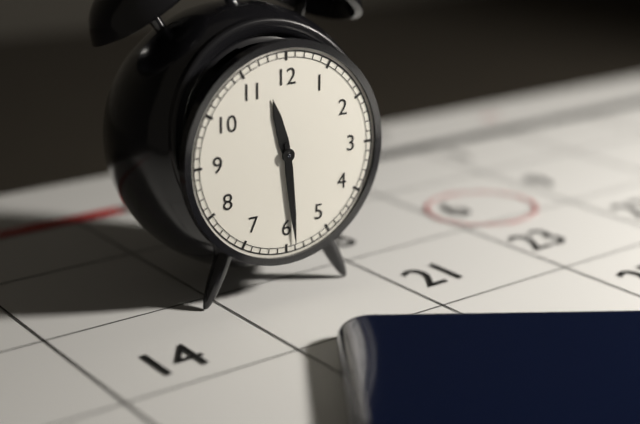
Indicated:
11.29
